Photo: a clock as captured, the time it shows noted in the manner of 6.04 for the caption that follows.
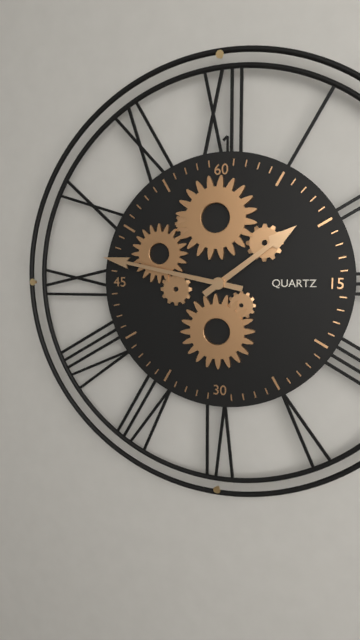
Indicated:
1.47
